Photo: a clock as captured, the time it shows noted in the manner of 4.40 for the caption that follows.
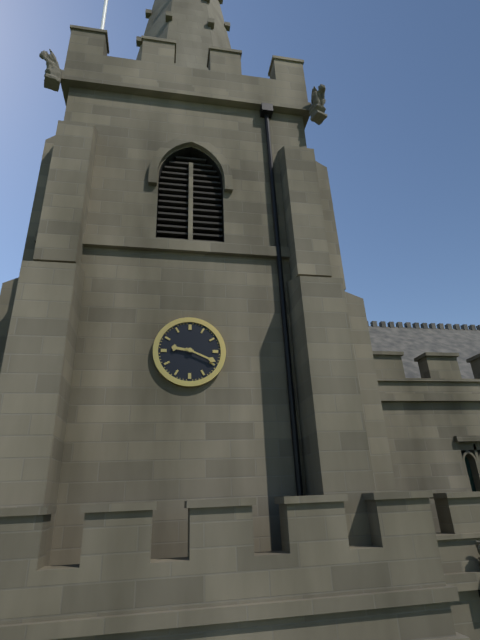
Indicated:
9.19
